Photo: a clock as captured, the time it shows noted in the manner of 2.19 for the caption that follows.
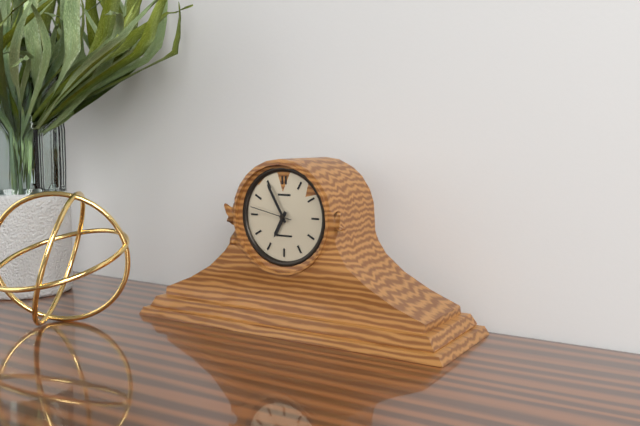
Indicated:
6.55
